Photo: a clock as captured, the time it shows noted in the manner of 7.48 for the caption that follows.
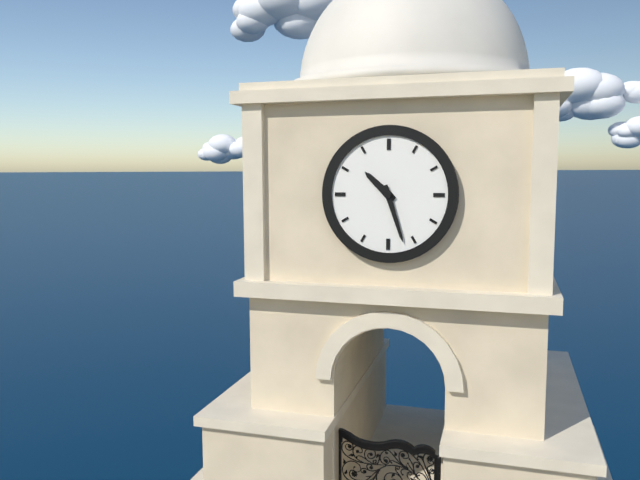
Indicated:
10.27
